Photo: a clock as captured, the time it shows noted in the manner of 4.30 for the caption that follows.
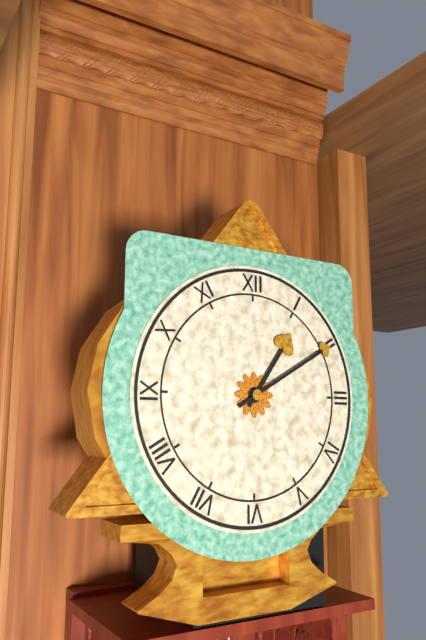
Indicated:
1.10
